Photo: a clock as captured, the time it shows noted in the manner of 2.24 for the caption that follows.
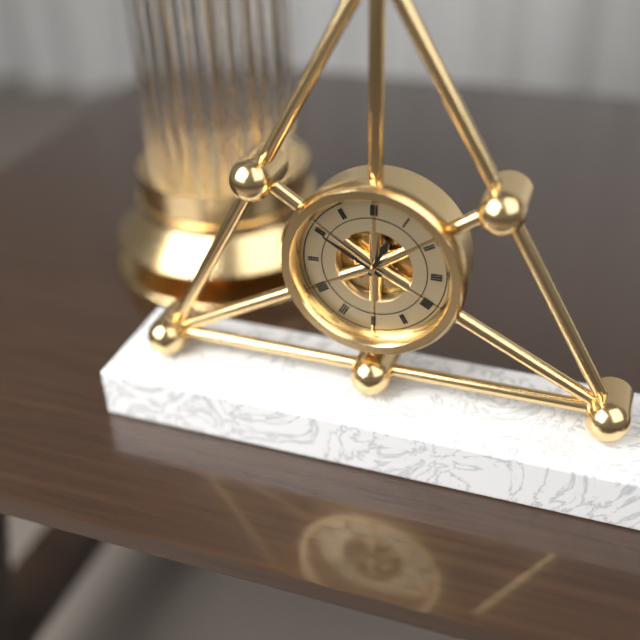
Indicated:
12.50
